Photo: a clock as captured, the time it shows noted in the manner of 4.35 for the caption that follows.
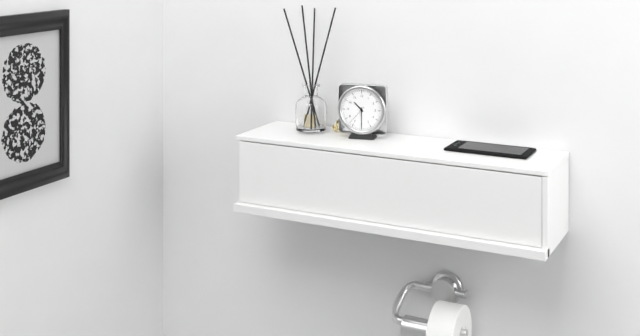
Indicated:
10.30
